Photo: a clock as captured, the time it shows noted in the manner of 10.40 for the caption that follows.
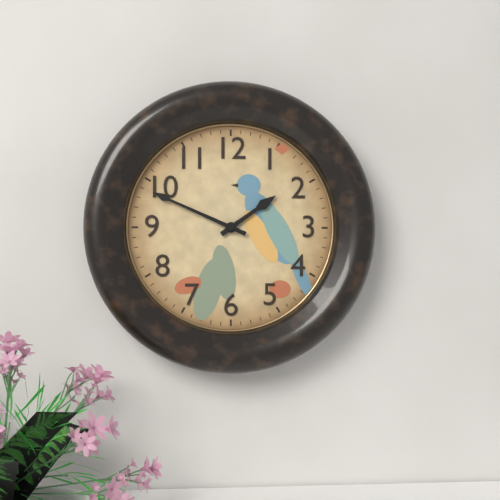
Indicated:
1.49
